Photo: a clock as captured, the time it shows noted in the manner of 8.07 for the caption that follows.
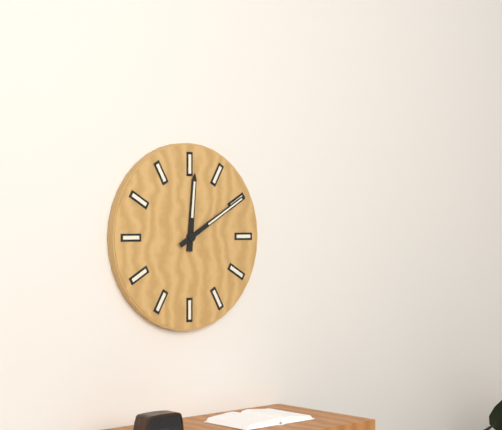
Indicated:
12.10
